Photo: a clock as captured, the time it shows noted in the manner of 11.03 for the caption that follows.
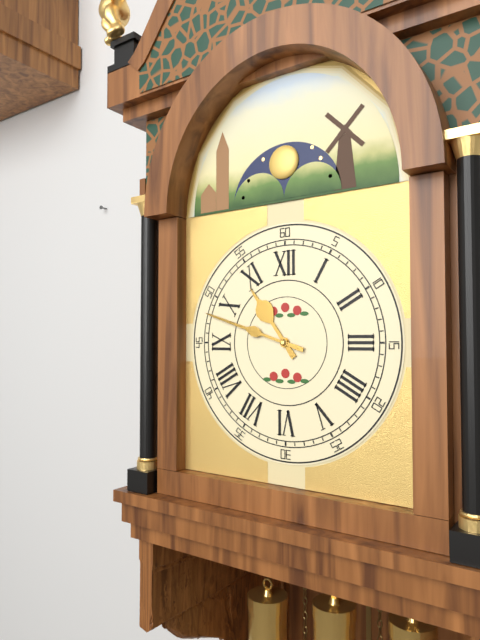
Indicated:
10.48
